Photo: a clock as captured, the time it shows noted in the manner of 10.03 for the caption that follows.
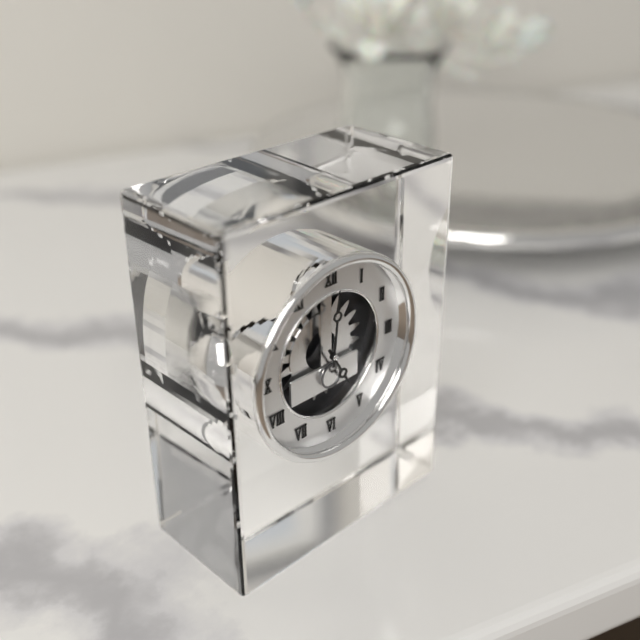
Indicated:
5.01
